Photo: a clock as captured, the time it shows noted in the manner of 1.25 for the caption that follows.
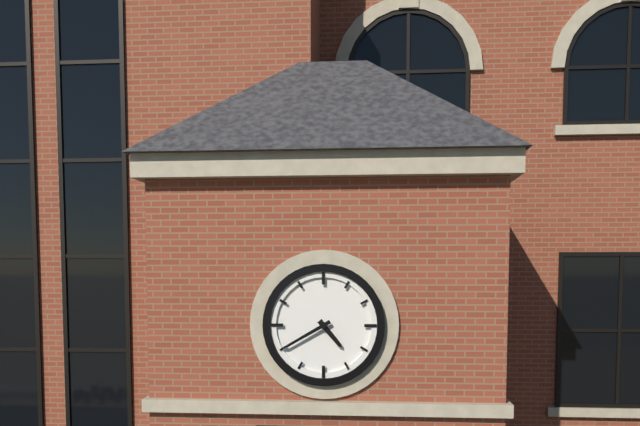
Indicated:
4.40
